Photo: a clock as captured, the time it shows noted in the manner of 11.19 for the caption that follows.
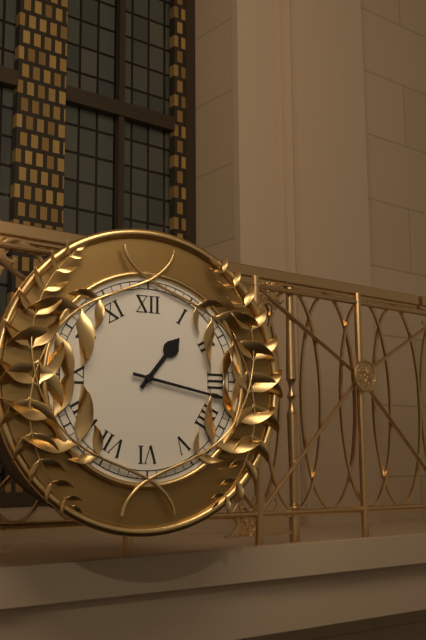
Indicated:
1.17
